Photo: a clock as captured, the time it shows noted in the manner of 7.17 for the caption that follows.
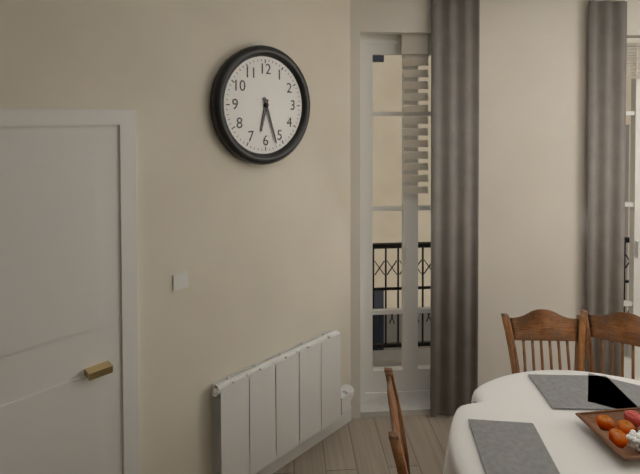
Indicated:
6.27
